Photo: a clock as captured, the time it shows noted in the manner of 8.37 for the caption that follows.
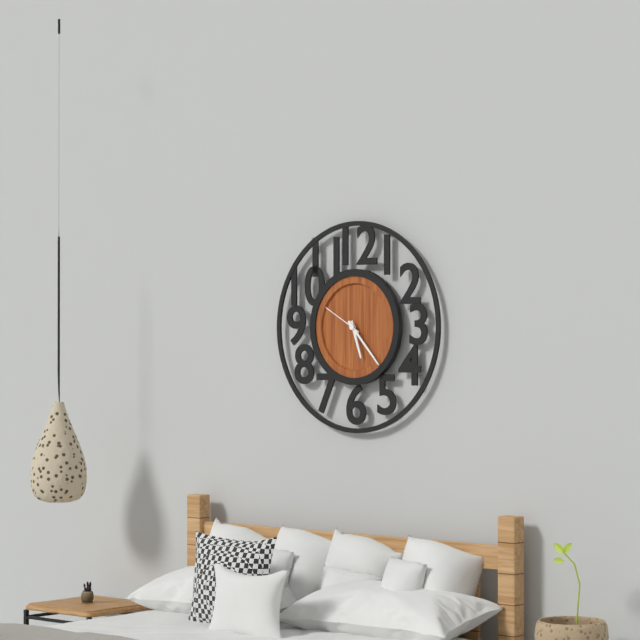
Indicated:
5.23
